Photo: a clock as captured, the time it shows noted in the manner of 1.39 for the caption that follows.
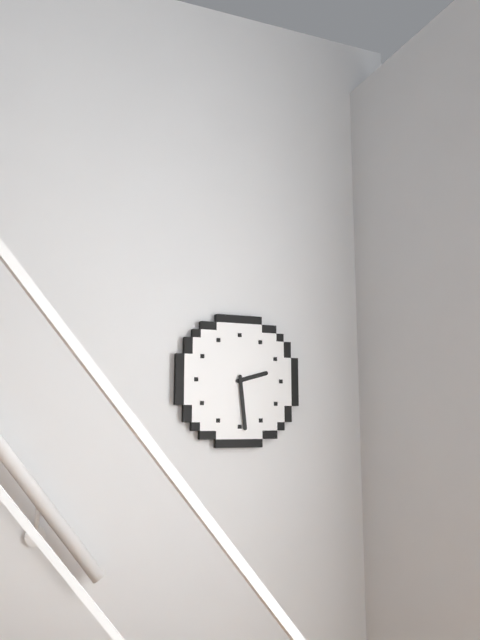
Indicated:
2.29
